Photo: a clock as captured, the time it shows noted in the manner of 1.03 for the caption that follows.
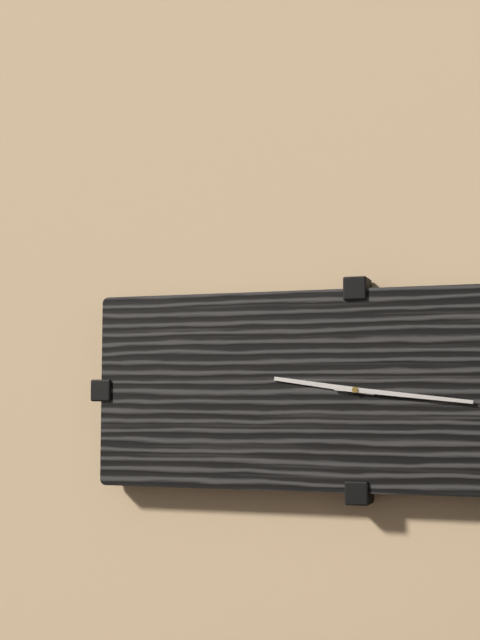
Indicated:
9.16
